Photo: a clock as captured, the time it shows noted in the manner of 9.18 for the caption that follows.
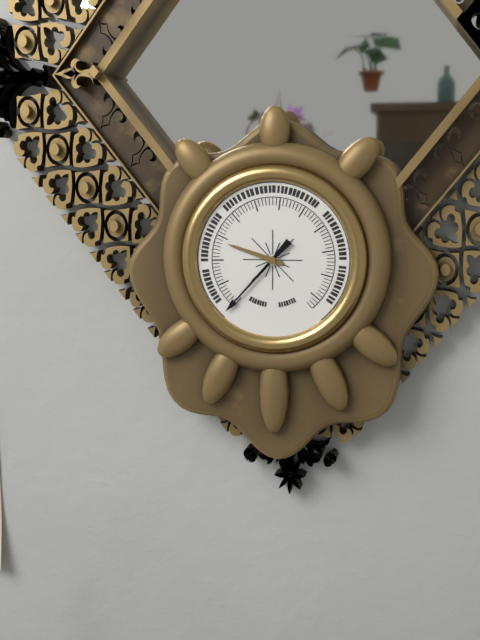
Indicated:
9.37
